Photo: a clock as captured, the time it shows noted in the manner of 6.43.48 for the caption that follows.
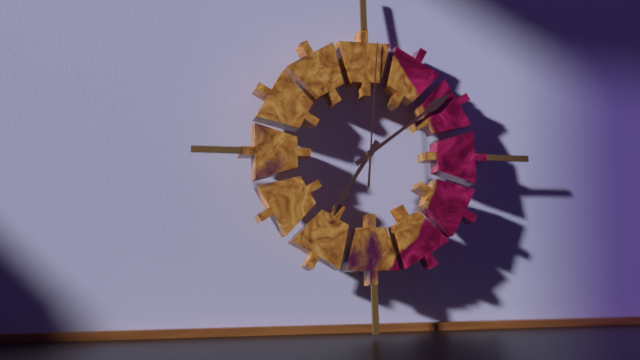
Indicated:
7.09.01
